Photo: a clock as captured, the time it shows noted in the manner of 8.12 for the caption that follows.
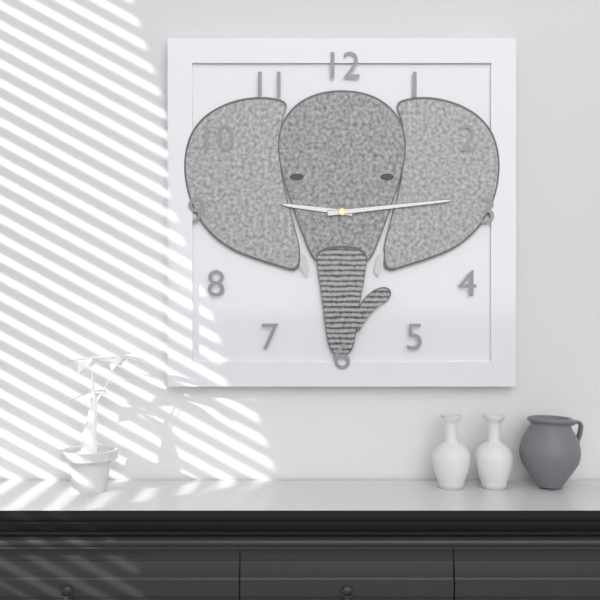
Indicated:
9.14
